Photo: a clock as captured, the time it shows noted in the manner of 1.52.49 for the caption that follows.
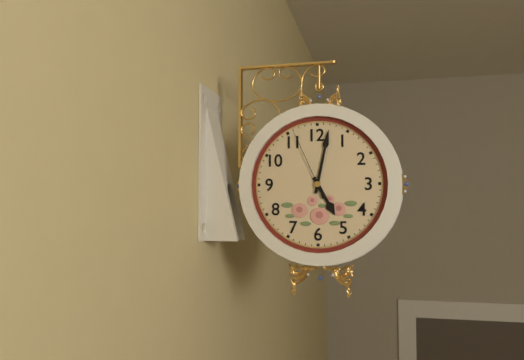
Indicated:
5.02.56
